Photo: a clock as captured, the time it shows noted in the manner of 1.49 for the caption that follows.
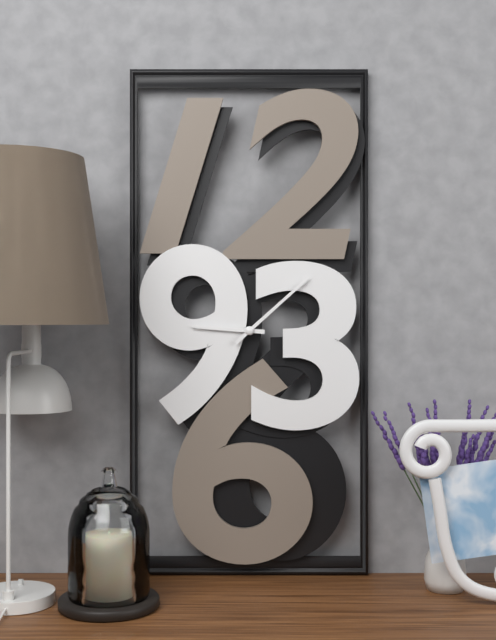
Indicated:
9.08
